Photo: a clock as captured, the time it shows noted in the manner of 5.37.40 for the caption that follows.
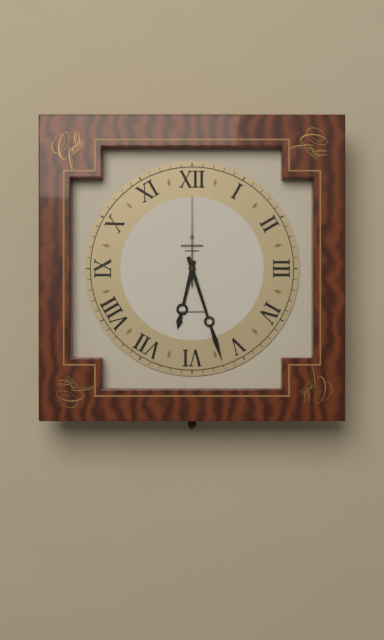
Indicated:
6.27.00
